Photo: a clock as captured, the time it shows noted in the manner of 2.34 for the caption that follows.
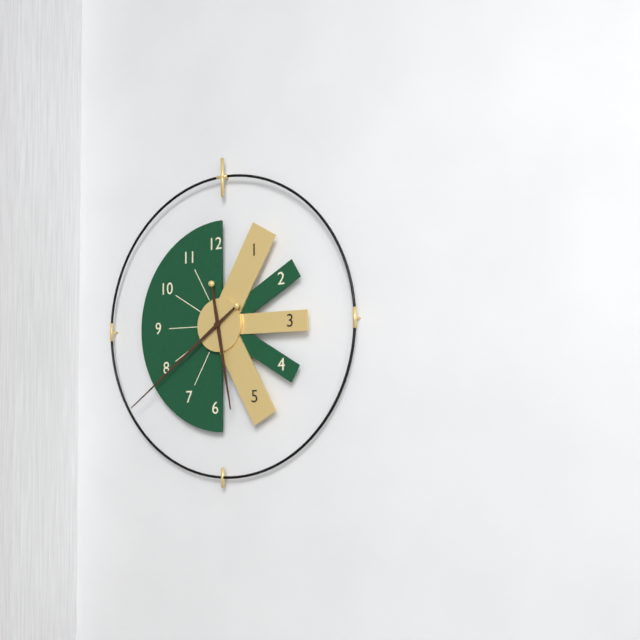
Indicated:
5.39
